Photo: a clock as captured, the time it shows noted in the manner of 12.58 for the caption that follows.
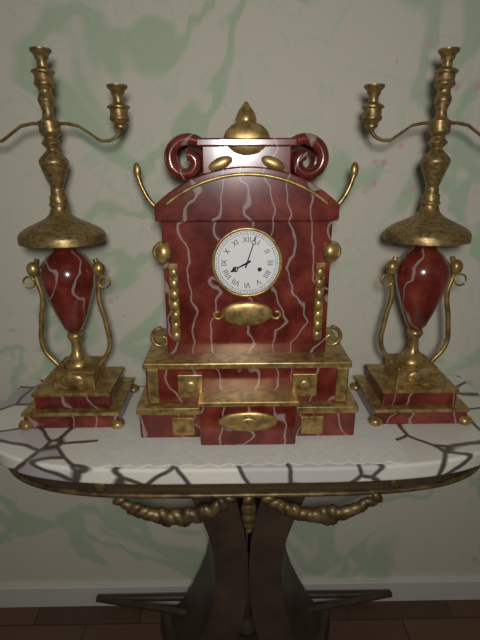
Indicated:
8.03
